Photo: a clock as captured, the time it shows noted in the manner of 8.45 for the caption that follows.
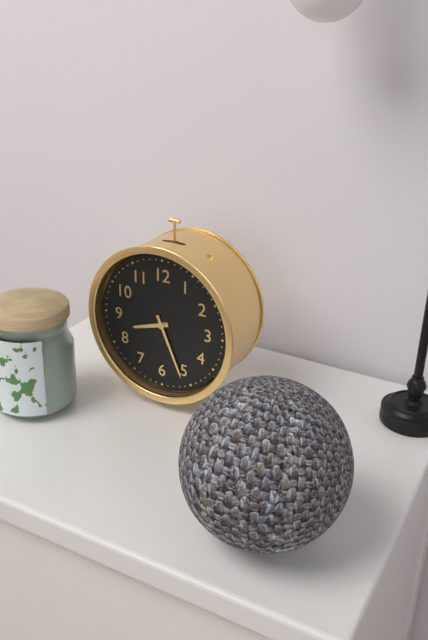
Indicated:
8.26
